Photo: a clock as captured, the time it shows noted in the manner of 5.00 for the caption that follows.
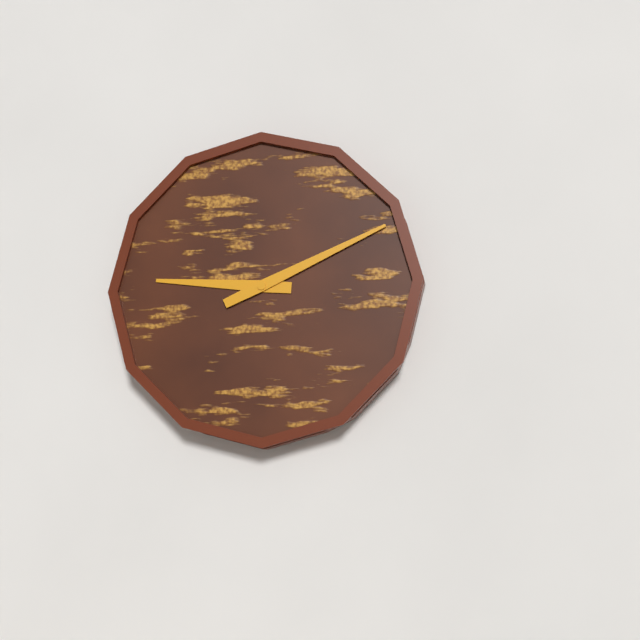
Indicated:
9.11
